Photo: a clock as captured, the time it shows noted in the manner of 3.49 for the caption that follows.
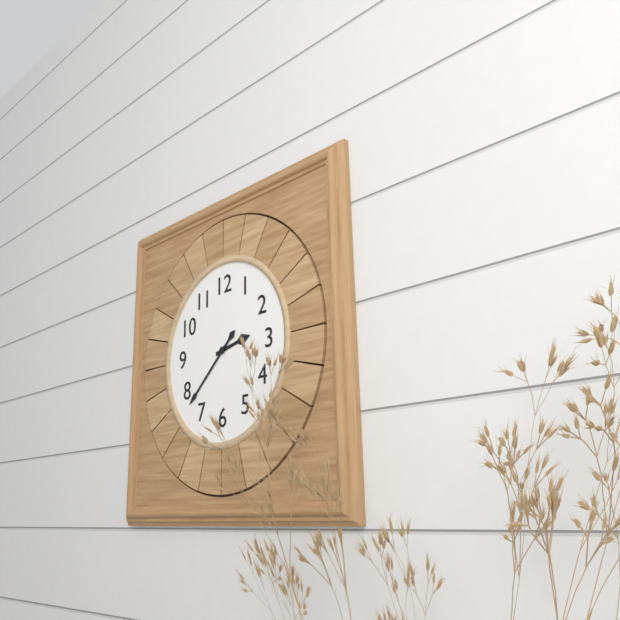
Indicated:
2.38
